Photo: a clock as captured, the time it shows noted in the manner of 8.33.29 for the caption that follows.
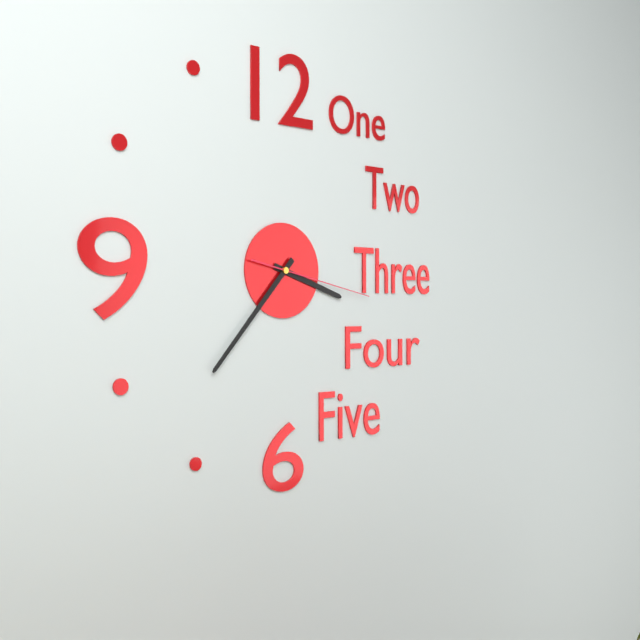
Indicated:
3.37.17
